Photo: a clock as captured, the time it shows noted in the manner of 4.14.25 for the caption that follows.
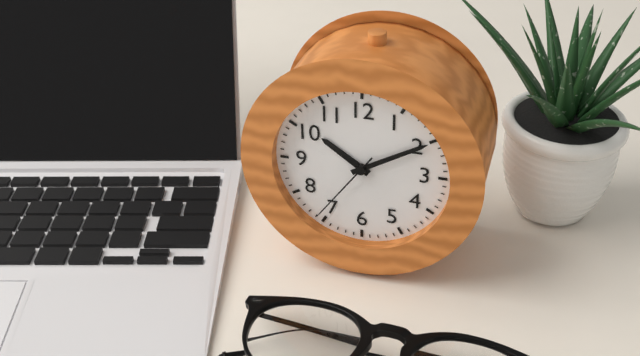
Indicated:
10.10.36
